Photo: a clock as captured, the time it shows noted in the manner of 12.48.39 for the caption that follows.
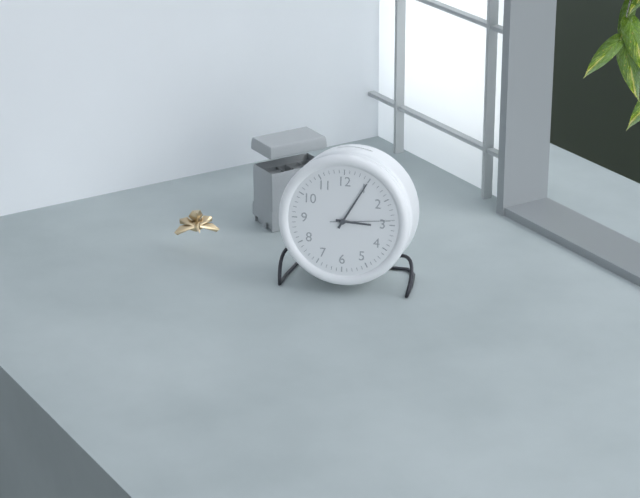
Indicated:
3.05.14
